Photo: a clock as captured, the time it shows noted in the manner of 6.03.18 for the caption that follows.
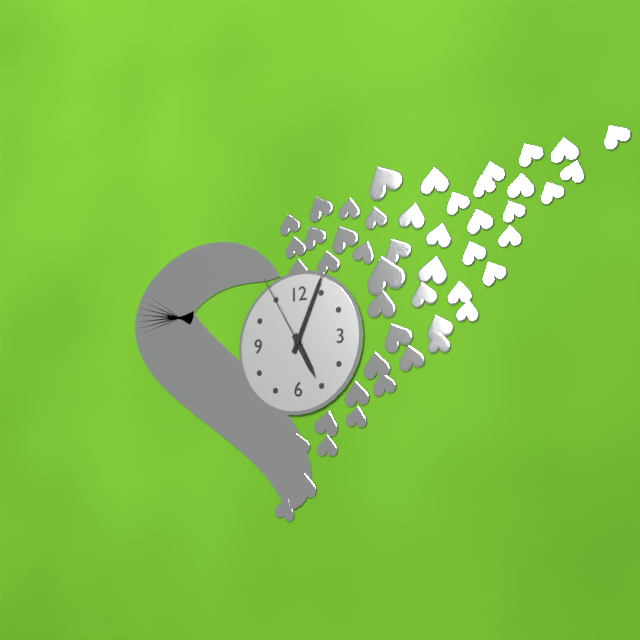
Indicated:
5.04.55
